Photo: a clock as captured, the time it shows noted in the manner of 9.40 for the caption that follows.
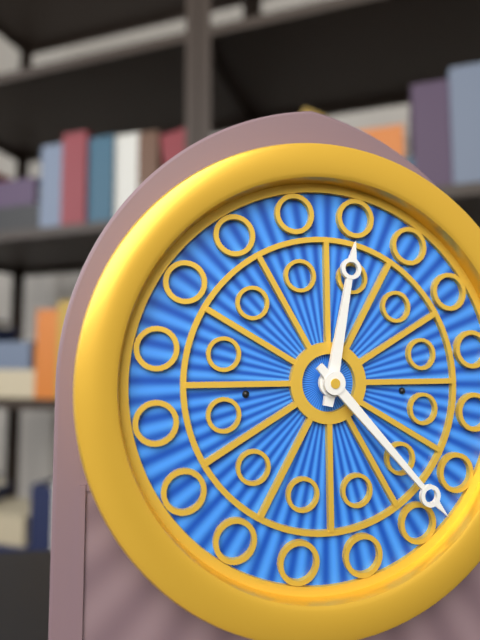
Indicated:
12.23
